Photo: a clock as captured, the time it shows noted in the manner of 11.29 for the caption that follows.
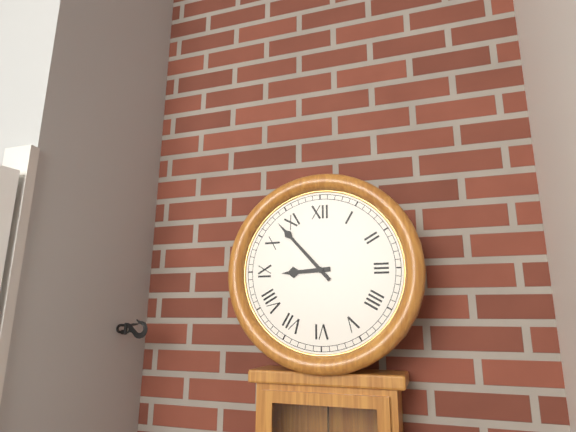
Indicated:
8.53
